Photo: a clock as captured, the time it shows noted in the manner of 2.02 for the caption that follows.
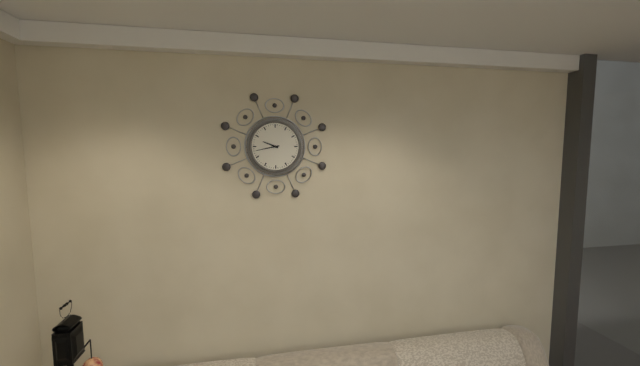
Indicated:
9.43
